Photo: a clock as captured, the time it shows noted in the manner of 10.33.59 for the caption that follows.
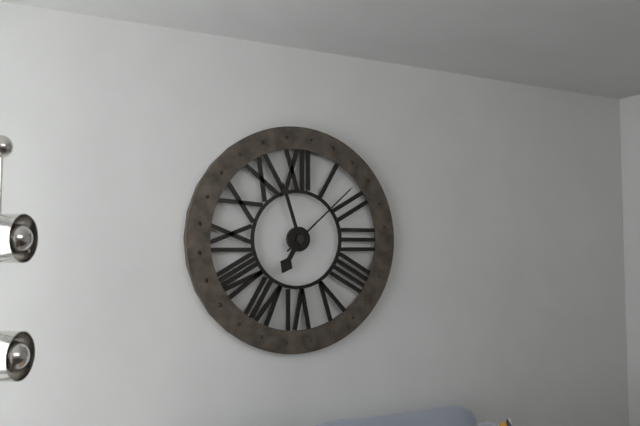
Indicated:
6.57.08
